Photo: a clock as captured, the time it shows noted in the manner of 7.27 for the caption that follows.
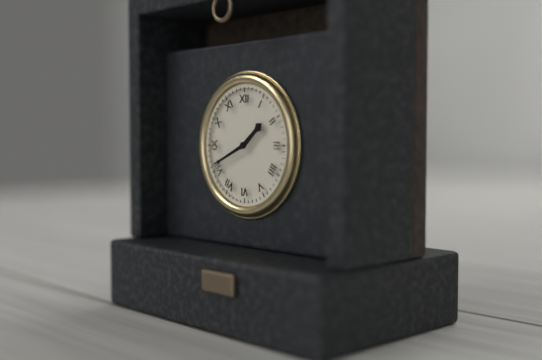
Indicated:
1.41
